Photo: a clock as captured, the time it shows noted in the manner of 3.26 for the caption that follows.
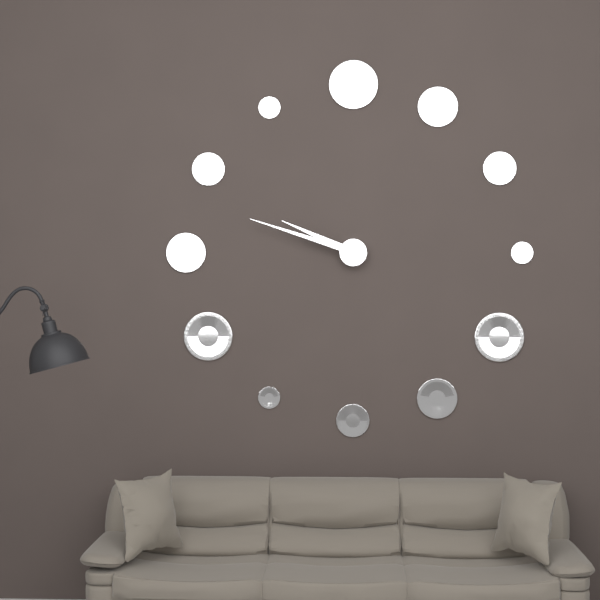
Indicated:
9.48
